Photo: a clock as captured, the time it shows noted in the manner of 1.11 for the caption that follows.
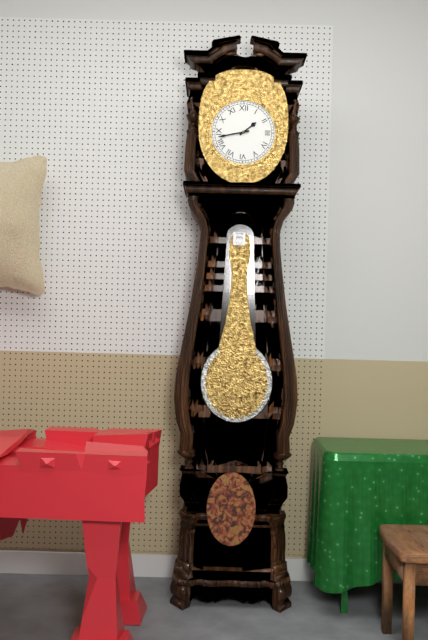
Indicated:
1.43
